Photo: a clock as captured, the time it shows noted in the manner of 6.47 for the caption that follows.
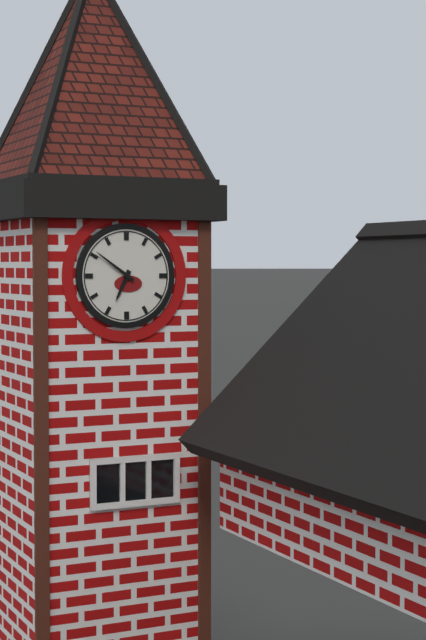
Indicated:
6.51
